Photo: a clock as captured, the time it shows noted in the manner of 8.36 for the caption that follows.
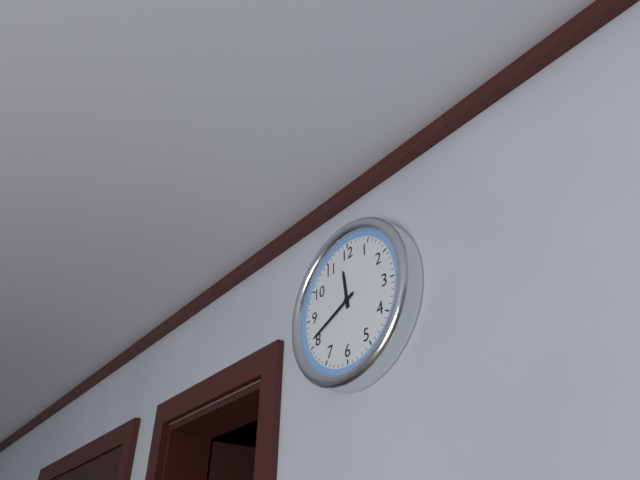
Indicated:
11.41
